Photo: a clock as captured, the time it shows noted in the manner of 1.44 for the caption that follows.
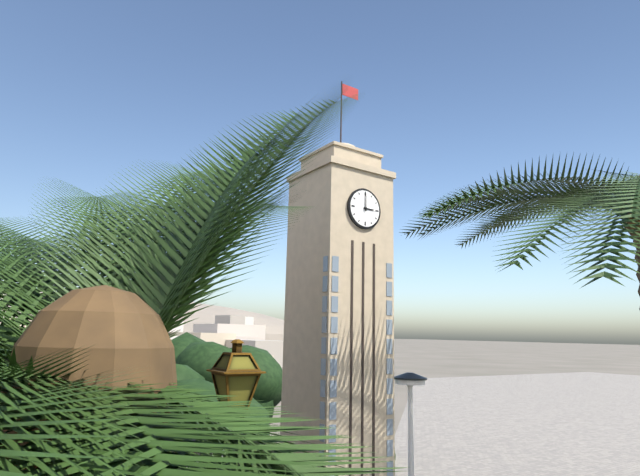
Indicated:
3.00
